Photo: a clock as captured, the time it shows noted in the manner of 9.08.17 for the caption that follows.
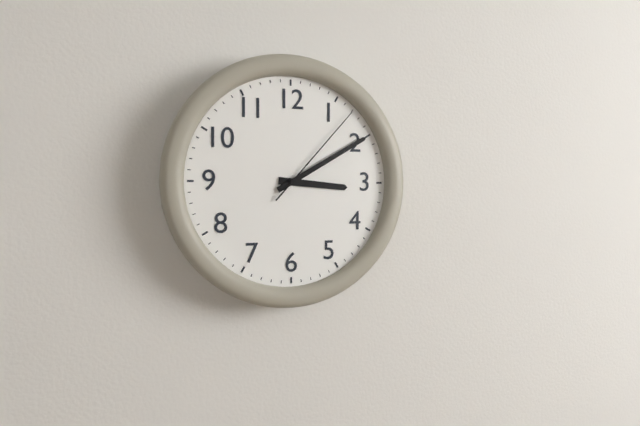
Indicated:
3.10.07
